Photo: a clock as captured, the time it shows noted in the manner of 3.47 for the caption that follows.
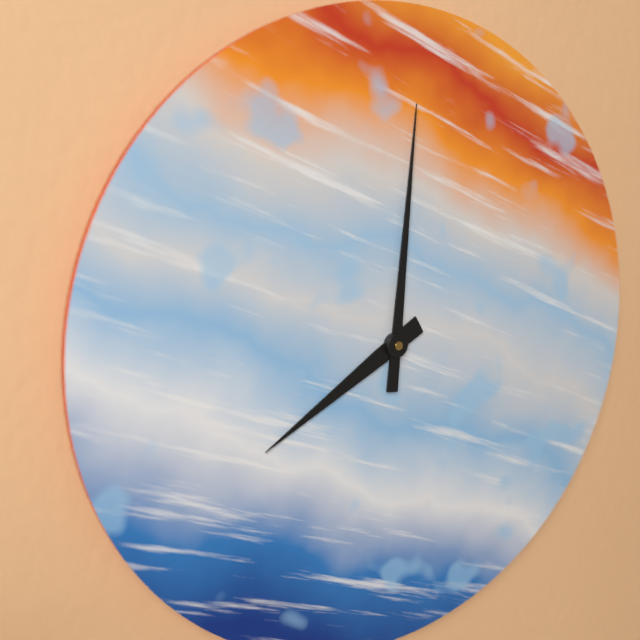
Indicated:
8.01
